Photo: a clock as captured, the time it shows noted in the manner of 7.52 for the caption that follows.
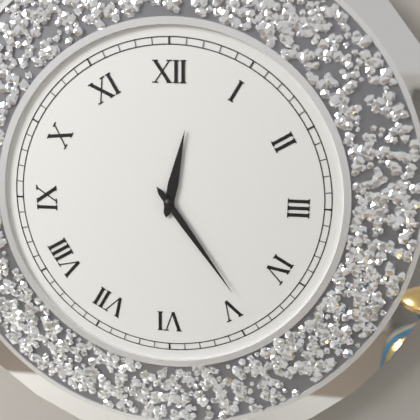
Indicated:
12.24
